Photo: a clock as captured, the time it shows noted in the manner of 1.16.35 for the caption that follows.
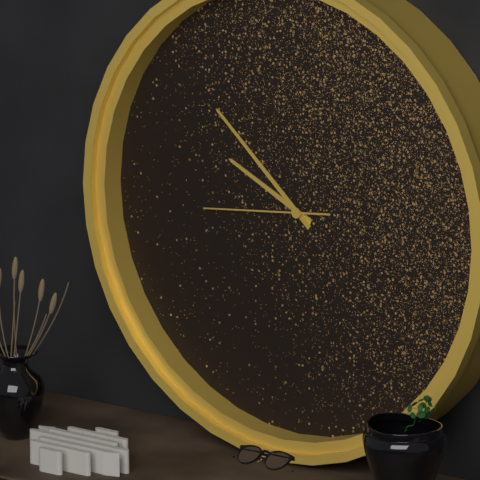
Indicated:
9.52.44
